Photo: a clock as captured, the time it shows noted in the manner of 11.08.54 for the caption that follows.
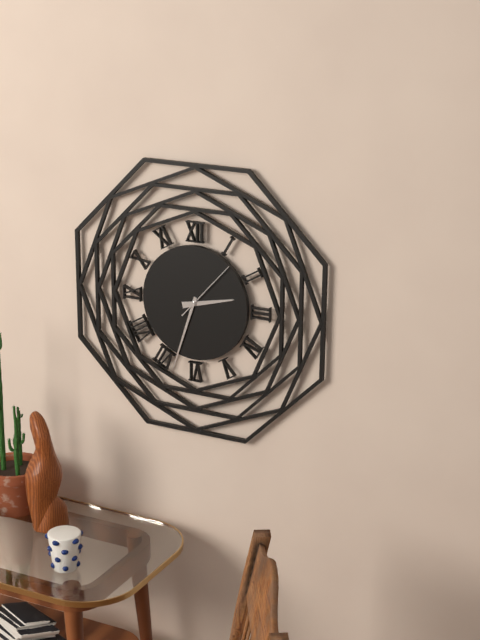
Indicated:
2.33.07
